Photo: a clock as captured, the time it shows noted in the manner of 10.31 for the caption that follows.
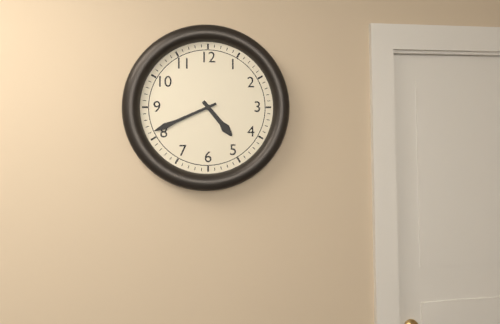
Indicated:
4.41
